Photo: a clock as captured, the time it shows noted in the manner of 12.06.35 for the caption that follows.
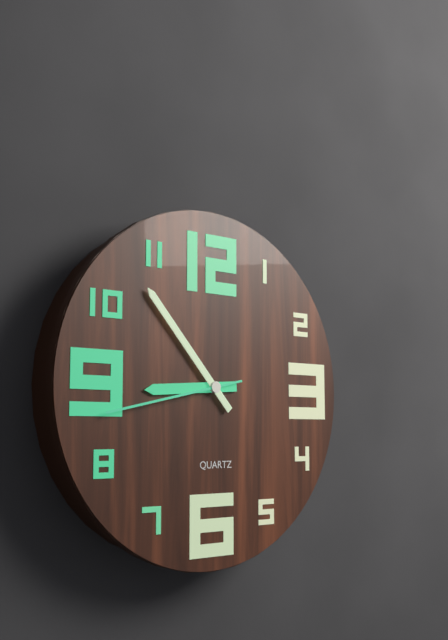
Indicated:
8.53.43
